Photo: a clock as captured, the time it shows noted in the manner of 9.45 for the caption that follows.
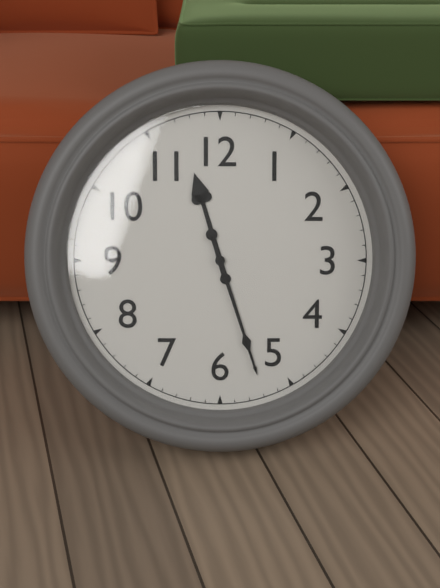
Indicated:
11.27
